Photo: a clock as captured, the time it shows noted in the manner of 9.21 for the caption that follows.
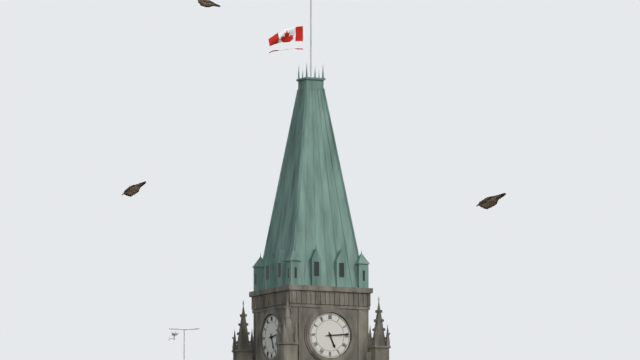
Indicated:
5.14
